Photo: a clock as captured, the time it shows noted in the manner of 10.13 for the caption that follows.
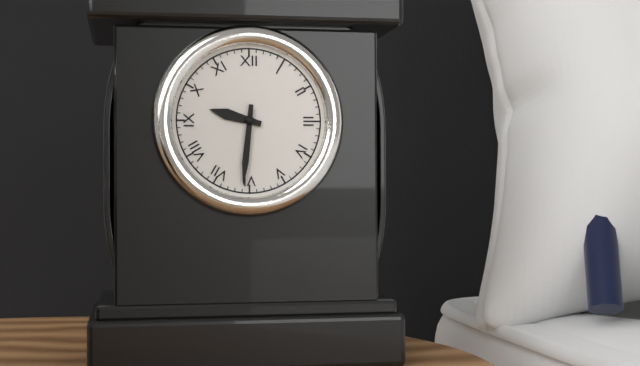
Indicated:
9.31
